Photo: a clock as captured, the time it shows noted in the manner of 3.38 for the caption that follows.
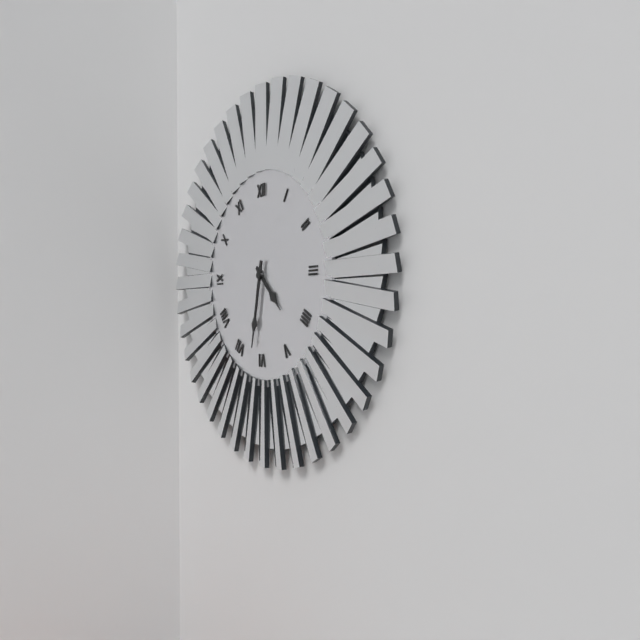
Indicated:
4.32
